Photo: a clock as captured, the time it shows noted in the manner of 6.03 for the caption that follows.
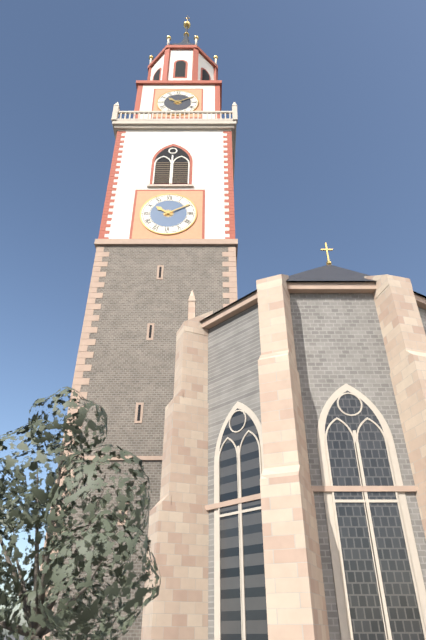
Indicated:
10.10
